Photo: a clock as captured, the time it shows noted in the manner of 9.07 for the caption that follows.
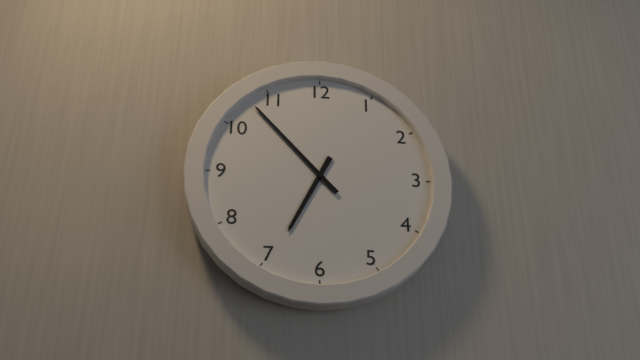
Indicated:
6.53
